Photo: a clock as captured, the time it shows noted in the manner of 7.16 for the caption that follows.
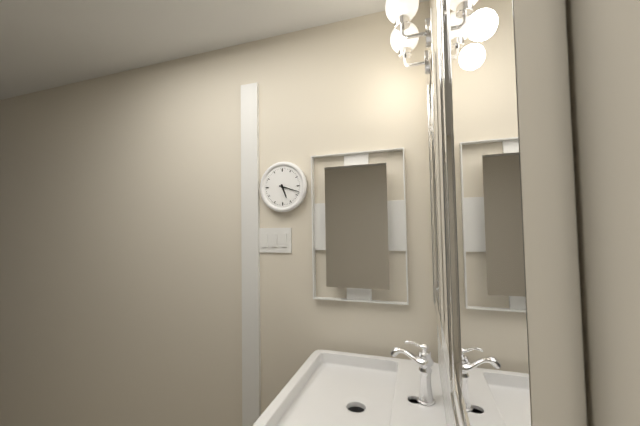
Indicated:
5.18
